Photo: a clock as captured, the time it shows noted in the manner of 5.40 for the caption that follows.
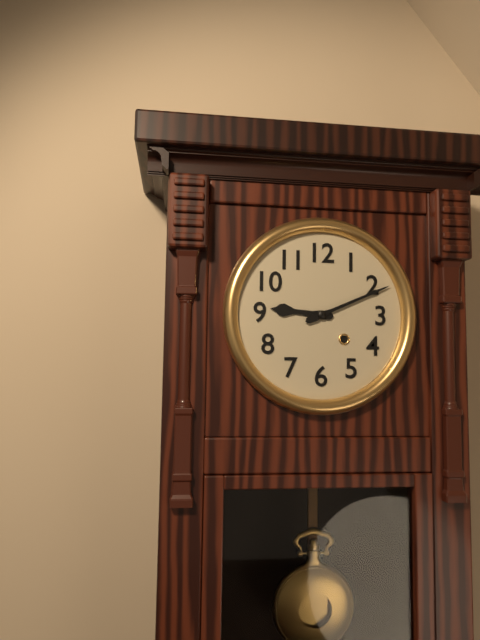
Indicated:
9.11
